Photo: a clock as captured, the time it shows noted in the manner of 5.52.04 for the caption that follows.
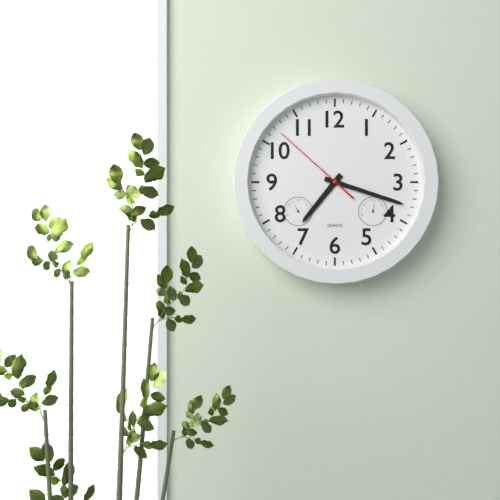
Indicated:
7.18.52
